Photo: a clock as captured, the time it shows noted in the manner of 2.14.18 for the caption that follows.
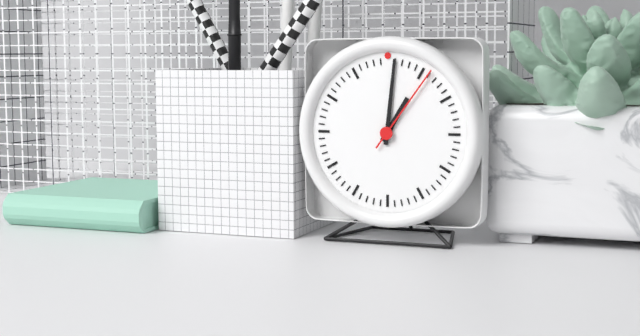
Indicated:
1.01.06
